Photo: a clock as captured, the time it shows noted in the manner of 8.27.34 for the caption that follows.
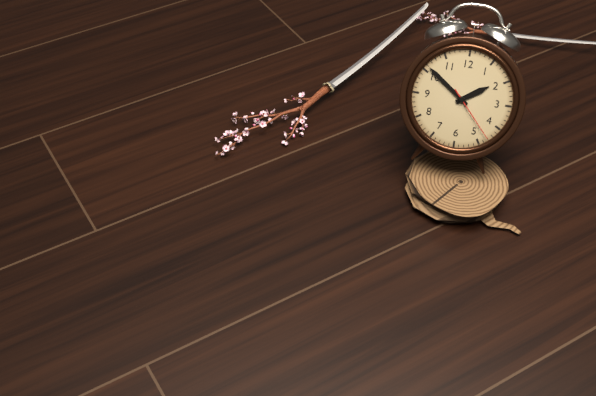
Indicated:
1.51.23
